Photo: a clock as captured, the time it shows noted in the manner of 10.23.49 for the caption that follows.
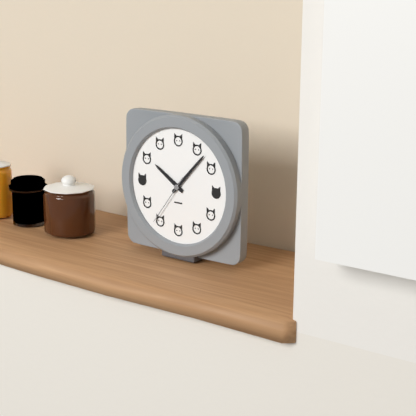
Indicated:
10.07.36
